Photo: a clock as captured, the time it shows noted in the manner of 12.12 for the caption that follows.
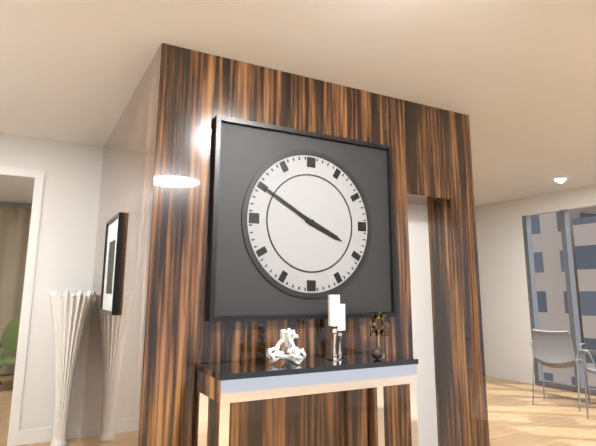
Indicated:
3.50
